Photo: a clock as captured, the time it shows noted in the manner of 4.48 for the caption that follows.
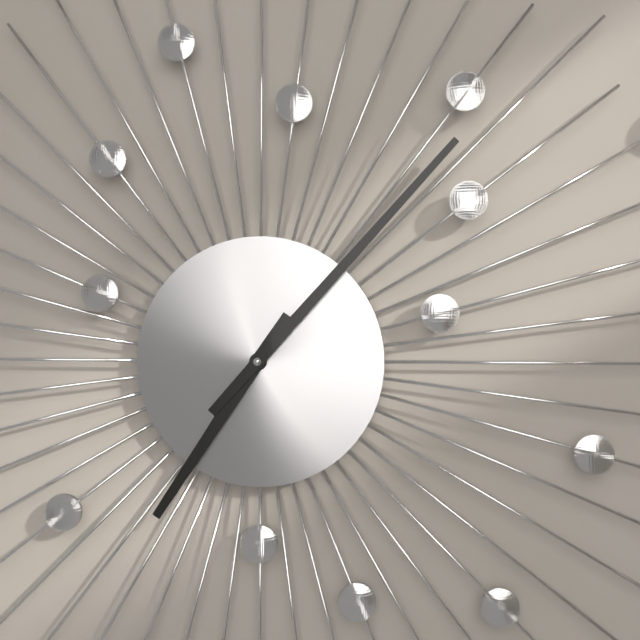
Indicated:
7.07
